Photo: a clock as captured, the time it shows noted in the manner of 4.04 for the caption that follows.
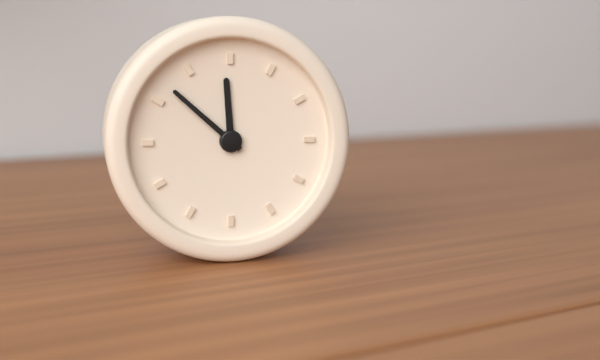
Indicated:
11.52
